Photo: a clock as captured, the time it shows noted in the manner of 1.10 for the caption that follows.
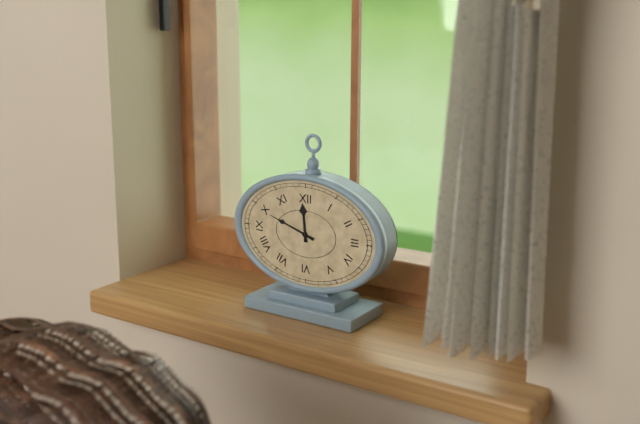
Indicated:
11.48
